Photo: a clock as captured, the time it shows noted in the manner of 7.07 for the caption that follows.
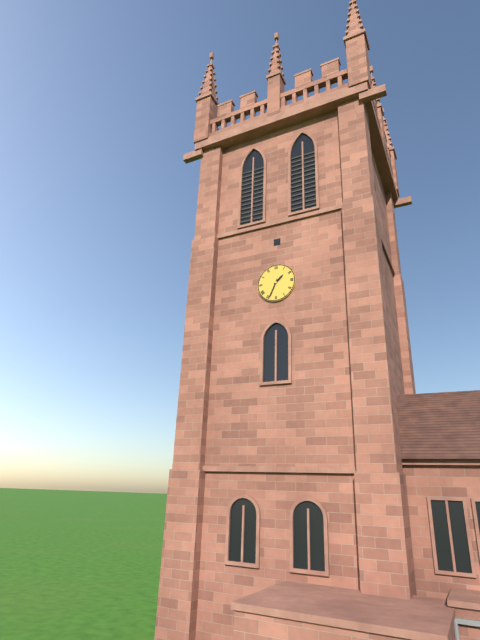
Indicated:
1.34
